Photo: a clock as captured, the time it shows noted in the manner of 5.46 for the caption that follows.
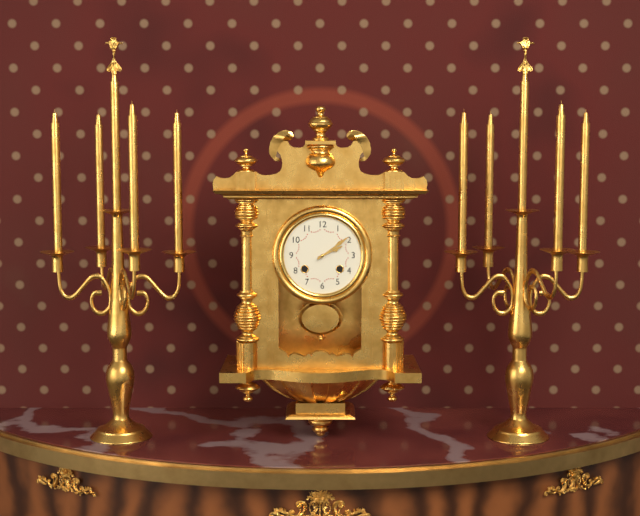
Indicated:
2.09
